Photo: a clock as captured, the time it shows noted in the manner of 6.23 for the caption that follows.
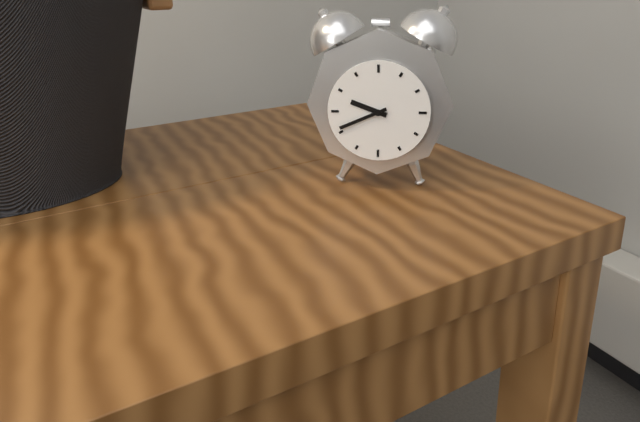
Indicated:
9.41
